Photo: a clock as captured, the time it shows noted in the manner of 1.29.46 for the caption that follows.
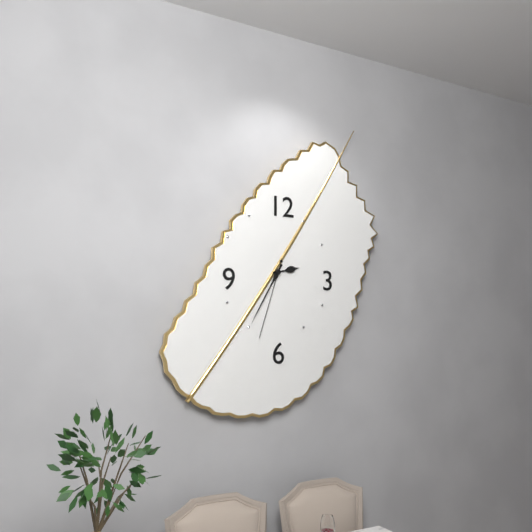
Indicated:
2.35.33
